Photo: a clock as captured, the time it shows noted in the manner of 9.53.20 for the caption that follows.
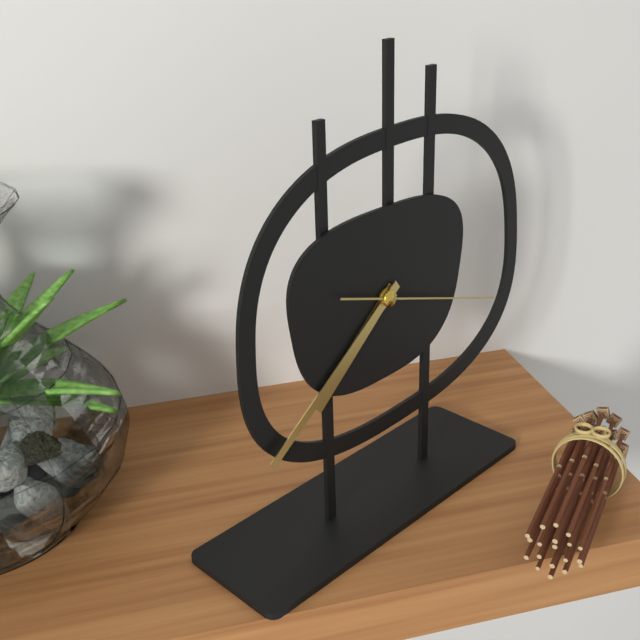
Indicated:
7.39.18
